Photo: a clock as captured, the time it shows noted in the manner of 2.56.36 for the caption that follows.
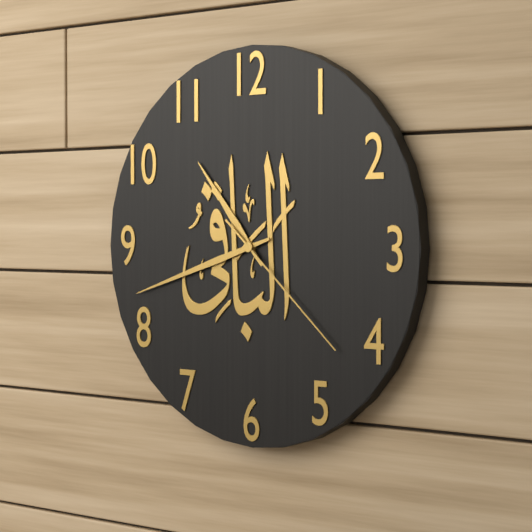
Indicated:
10.42.22
